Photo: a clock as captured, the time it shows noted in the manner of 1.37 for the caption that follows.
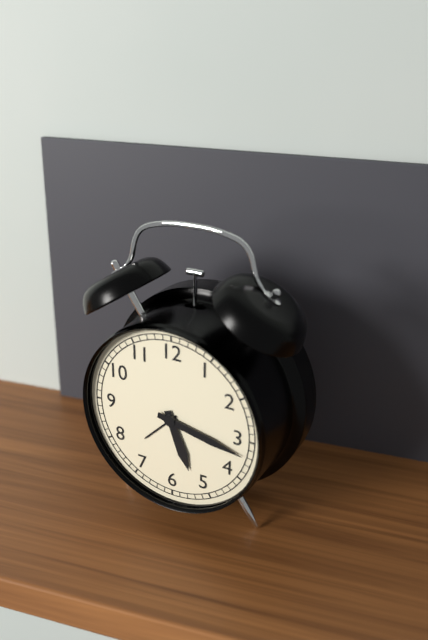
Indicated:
5.17
